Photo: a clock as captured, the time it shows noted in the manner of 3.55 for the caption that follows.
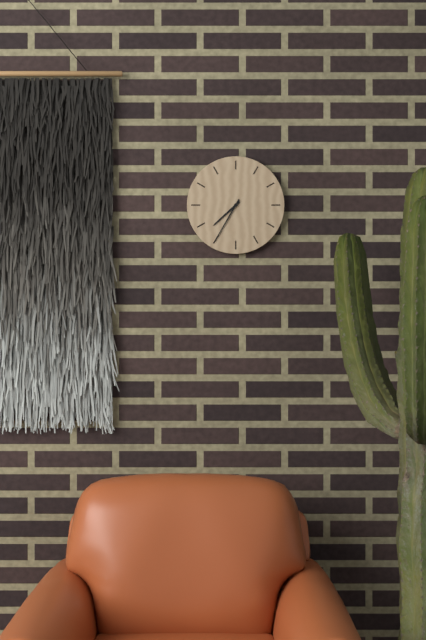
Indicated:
7.35
